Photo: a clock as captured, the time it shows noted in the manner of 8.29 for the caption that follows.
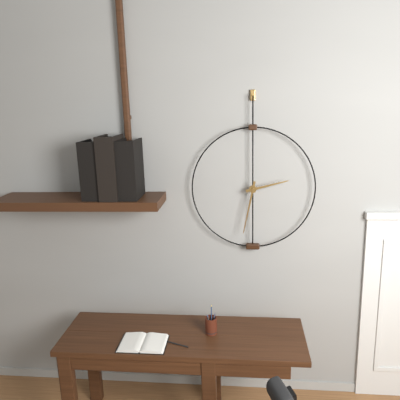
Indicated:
2.32
